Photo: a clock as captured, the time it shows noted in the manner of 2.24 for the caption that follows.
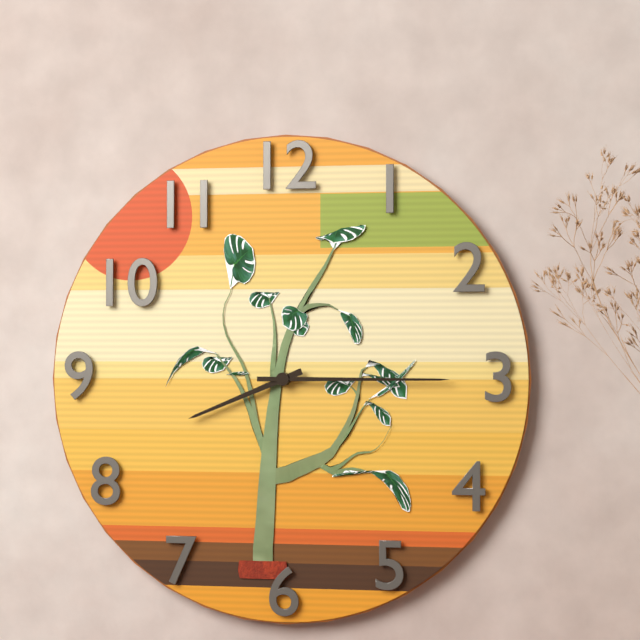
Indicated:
8.15
